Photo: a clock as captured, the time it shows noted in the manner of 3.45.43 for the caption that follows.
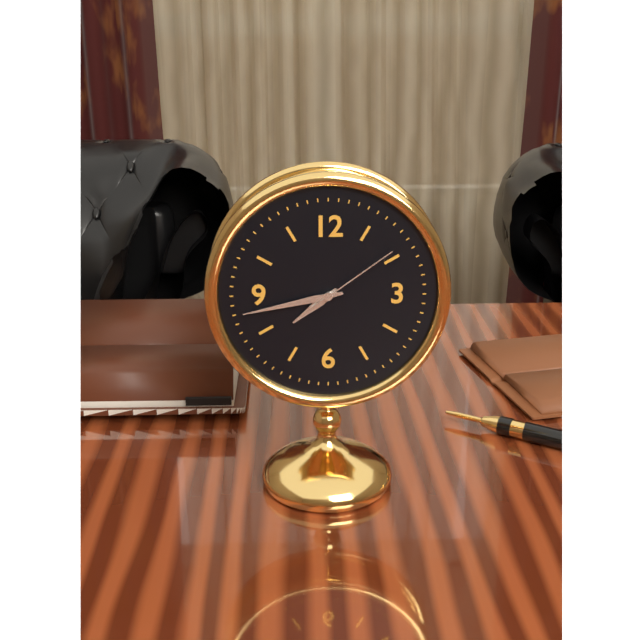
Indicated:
7.43.09
